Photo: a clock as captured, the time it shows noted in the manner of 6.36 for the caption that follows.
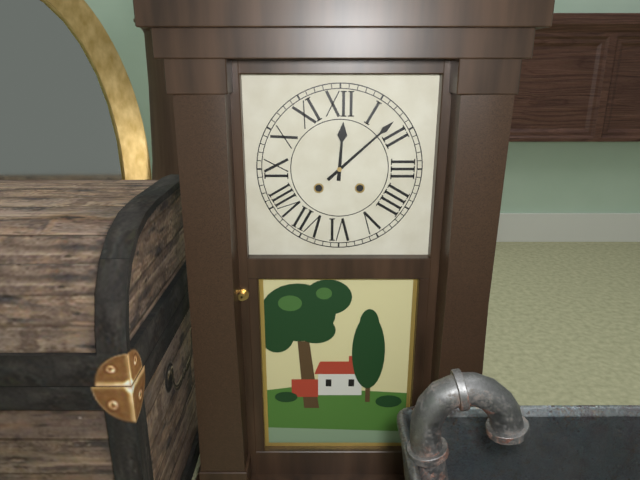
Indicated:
12.08
